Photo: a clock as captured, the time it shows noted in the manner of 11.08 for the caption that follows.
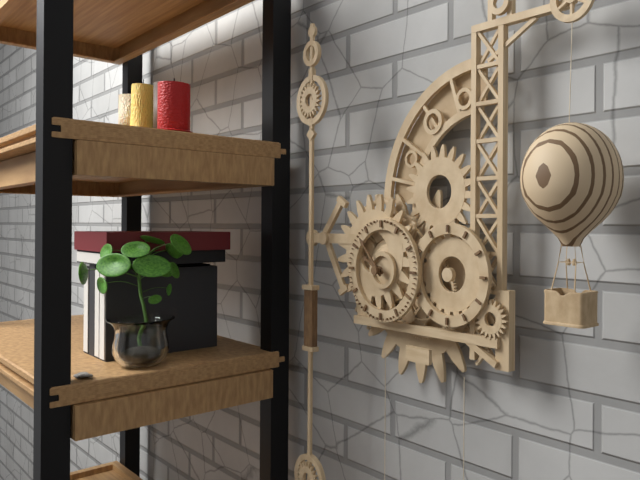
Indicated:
9.53
